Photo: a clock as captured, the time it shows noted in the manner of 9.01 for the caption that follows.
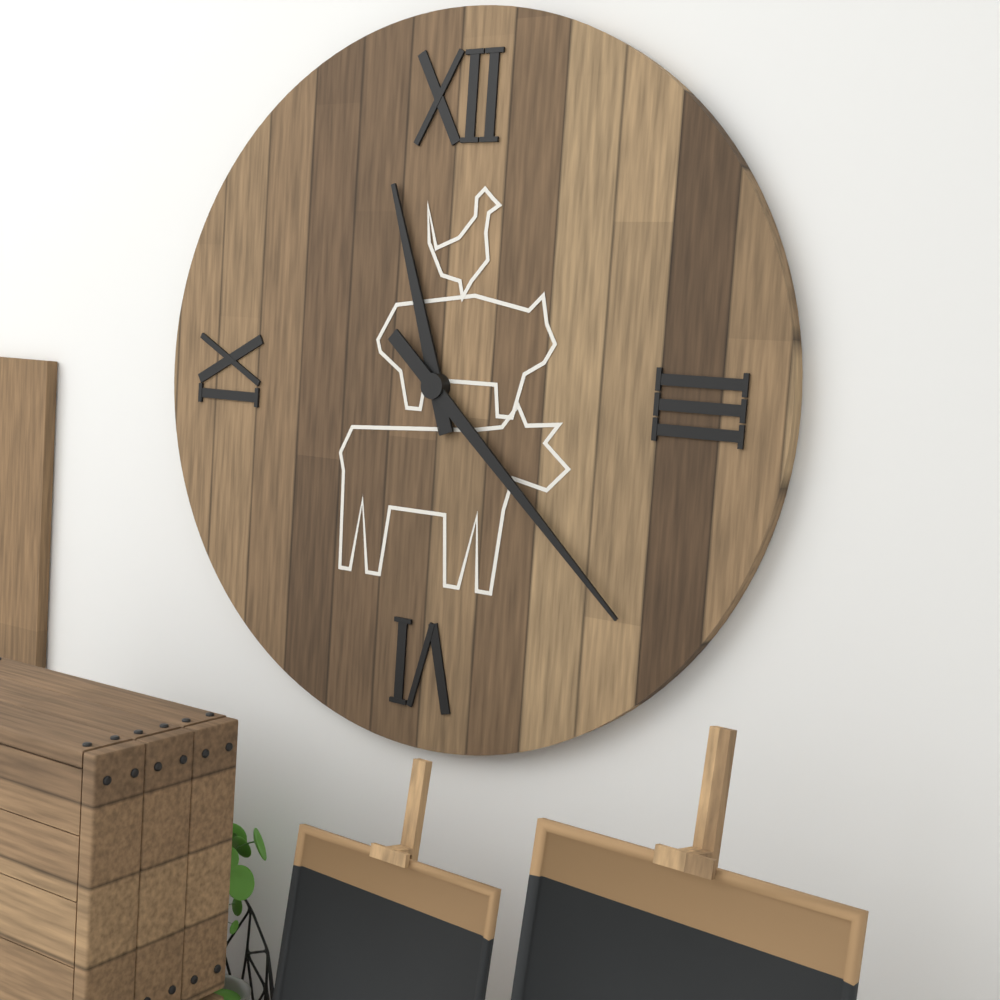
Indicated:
11.22
